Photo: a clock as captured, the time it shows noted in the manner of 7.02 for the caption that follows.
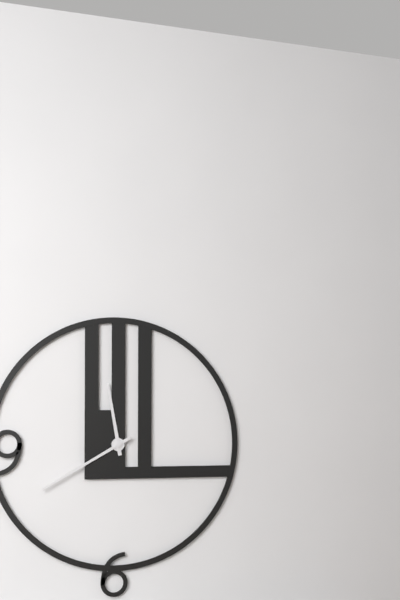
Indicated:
11.40
